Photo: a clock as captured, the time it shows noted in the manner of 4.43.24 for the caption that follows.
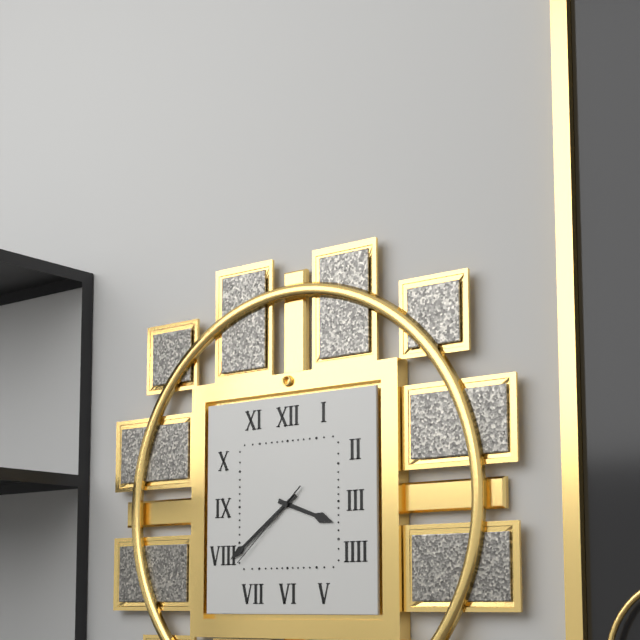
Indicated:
3.39.38
